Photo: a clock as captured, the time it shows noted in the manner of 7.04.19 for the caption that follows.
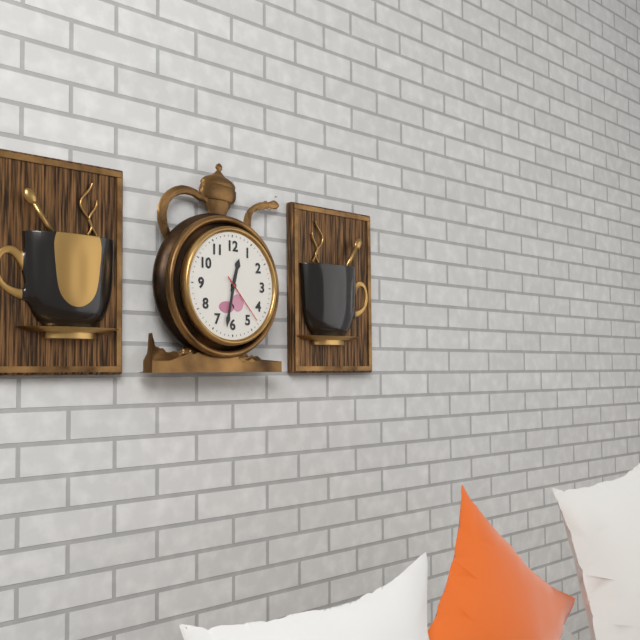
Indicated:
12.32.23
